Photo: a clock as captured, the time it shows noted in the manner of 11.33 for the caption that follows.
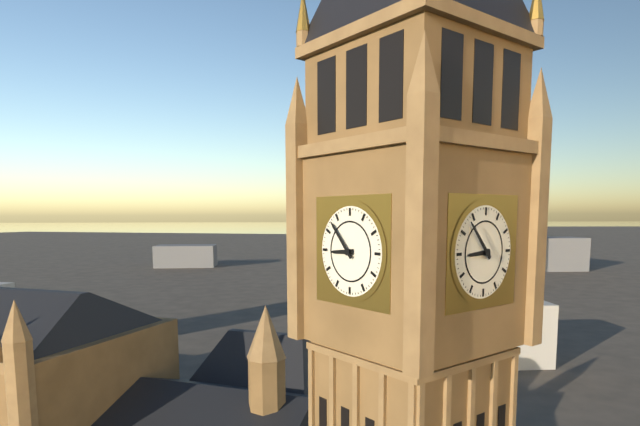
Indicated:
8.53
